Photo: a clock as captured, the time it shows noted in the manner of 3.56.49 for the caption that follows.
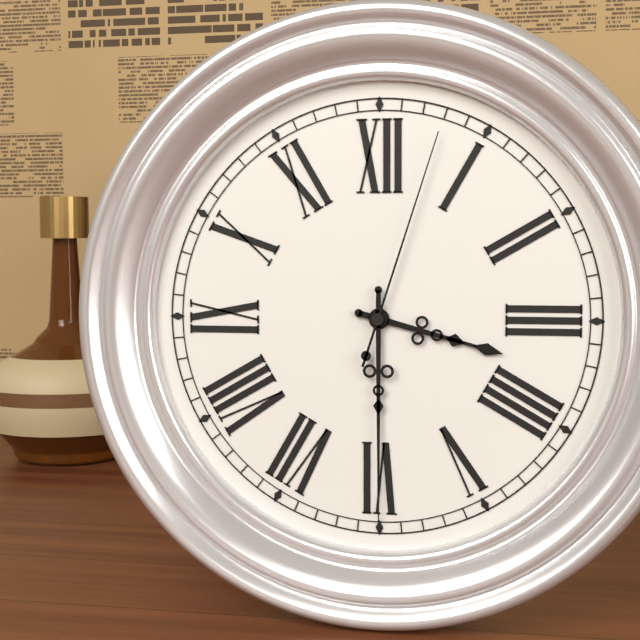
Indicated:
3.30.03
